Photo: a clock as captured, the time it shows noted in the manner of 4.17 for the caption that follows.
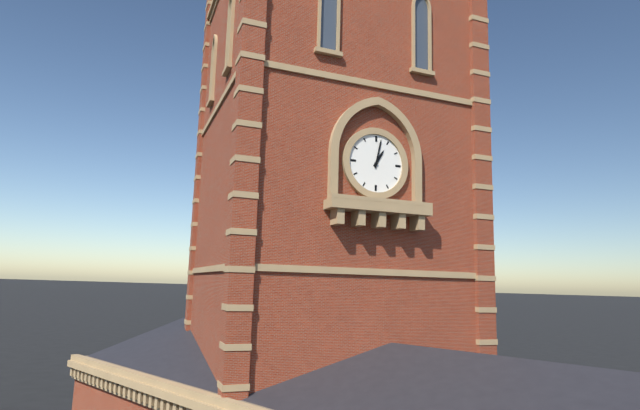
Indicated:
1.02
